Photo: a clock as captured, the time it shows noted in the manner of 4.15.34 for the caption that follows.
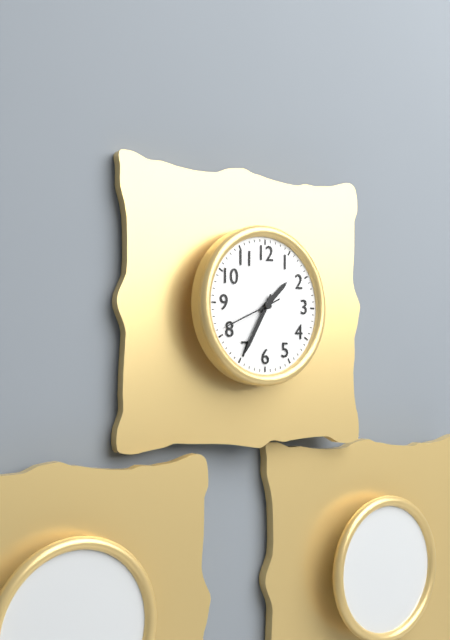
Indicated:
1.35.41
